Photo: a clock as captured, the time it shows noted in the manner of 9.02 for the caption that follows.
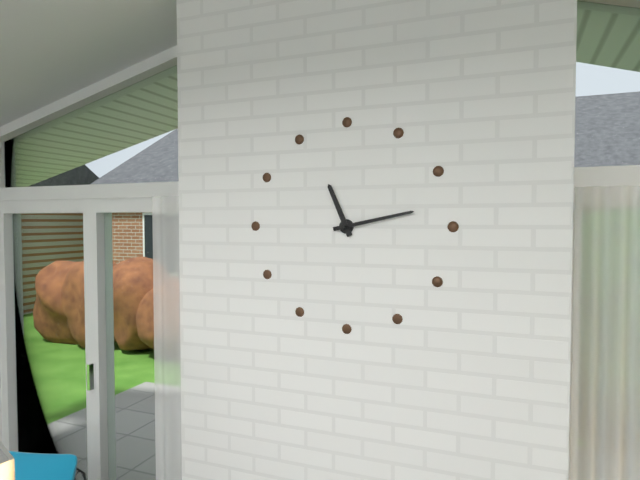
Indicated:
11.13
